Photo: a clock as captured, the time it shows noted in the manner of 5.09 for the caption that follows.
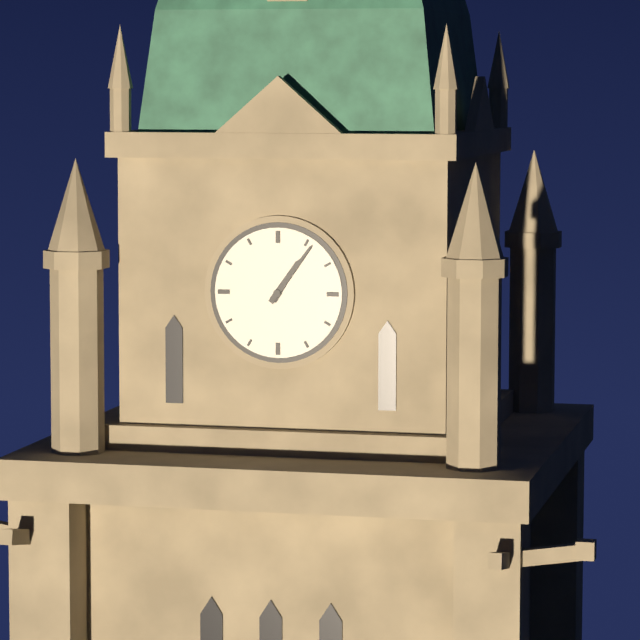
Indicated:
1.06
